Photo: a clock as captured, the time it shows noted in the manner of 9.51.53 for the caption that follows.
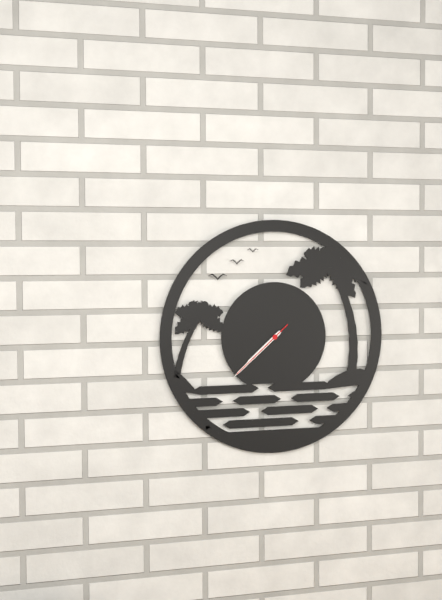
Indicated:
7.38.38
